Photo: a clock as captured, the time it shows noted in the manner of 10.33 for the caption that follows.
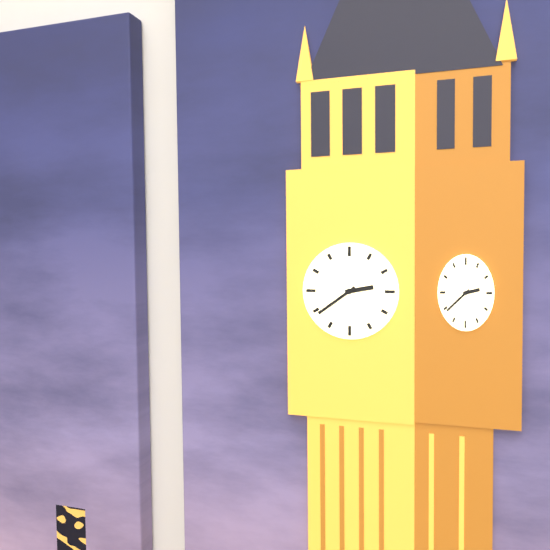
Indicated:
2.39
